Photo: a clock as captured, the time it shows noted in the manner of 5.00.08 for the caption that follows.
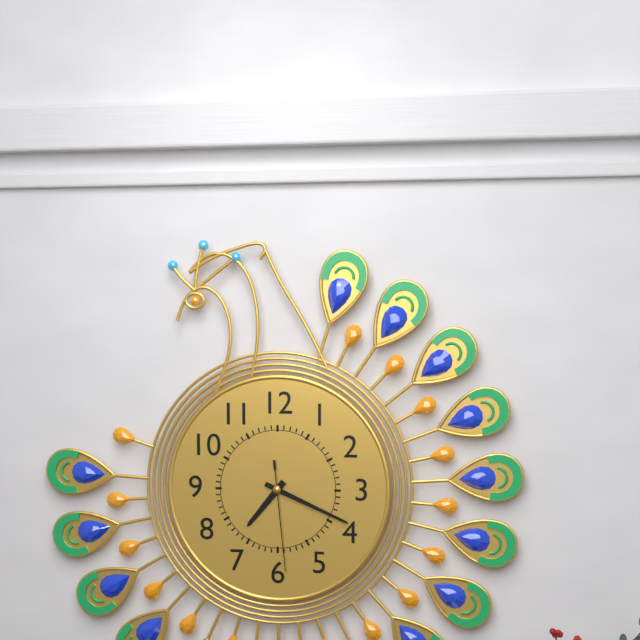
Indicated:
7.19.29
